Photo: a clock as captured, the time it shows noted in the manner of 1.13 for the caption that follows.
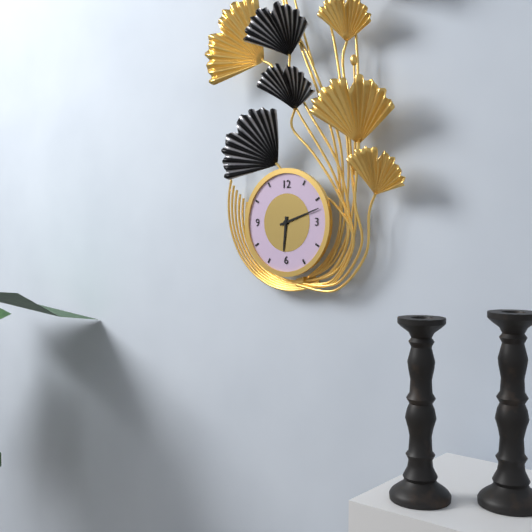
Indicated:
6.12
